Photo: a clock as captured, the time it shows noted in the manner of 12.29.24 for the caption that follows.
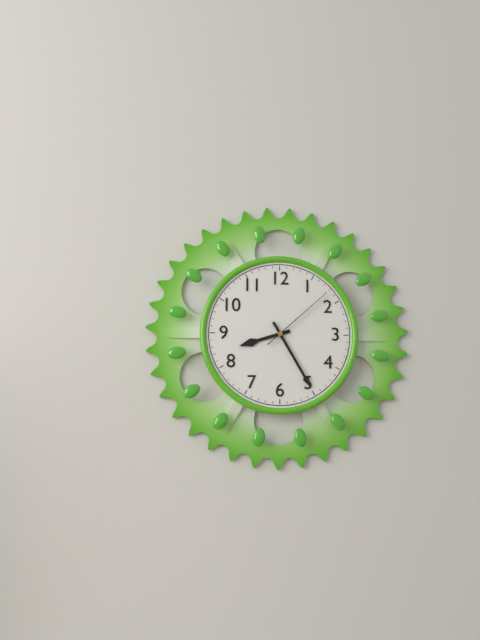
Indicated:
8.25.08
